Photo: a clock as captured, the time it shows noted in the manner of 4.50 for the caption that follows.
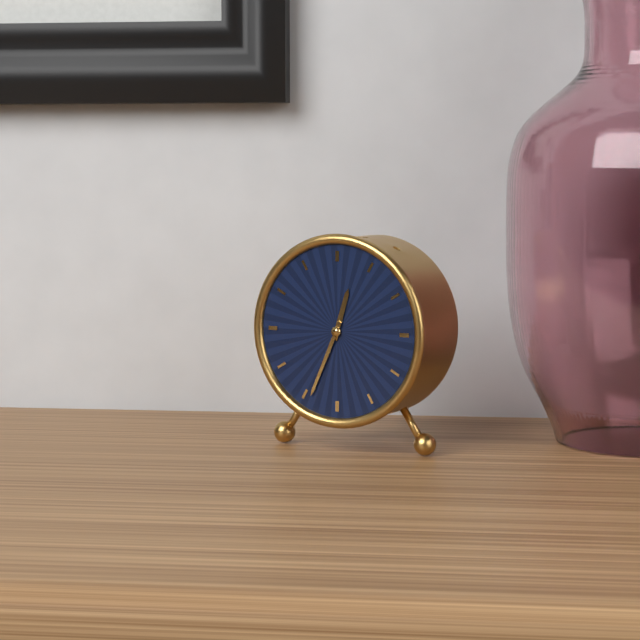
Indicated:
12.34
